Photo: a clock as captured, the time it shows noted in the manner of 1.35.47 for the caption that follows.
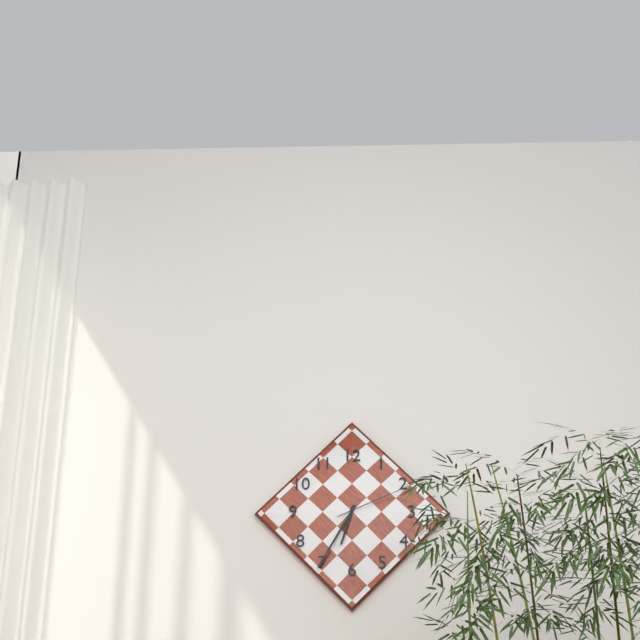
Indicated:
6.35.11
